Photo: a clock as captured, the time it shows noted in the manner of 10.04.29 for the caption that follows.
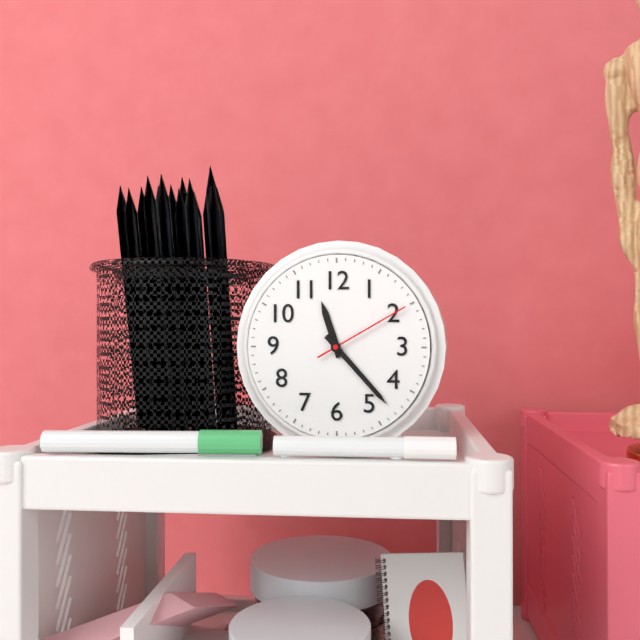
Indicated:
11.23.10
